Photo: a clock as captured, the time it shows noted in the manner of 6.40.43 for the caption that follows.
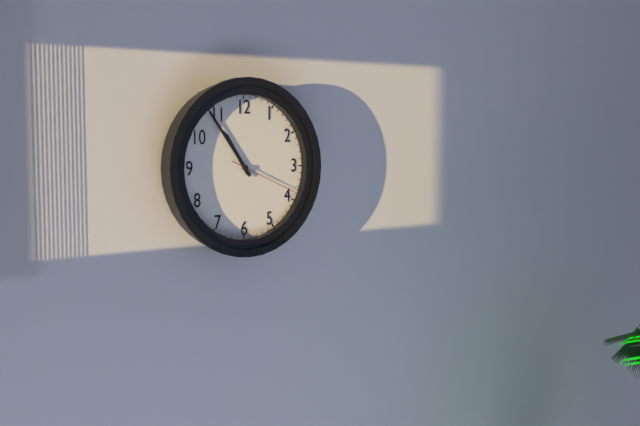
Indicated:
10.54.19
